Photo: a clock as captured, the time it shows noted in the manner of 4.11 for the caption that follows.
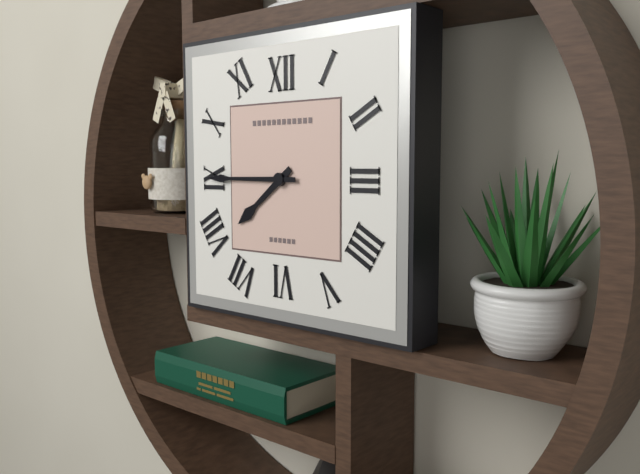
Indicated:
7.45
